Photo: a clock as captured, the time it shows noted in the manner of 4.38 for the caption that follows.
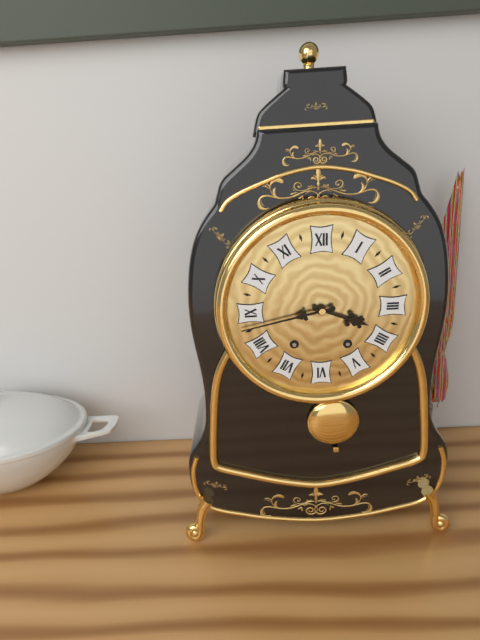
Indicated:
3.43
